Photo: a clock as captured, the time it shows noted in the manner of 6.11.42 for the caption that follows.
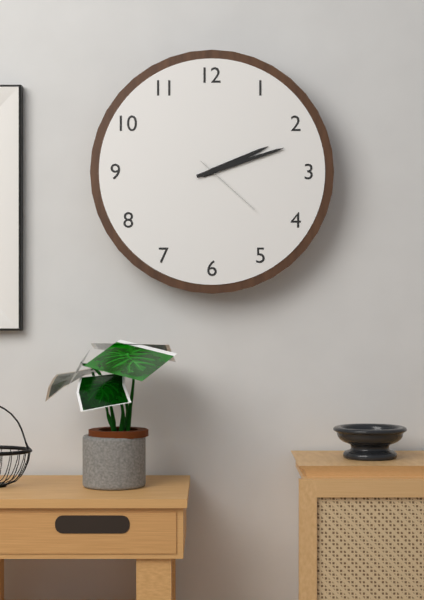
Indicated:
2.12.22
